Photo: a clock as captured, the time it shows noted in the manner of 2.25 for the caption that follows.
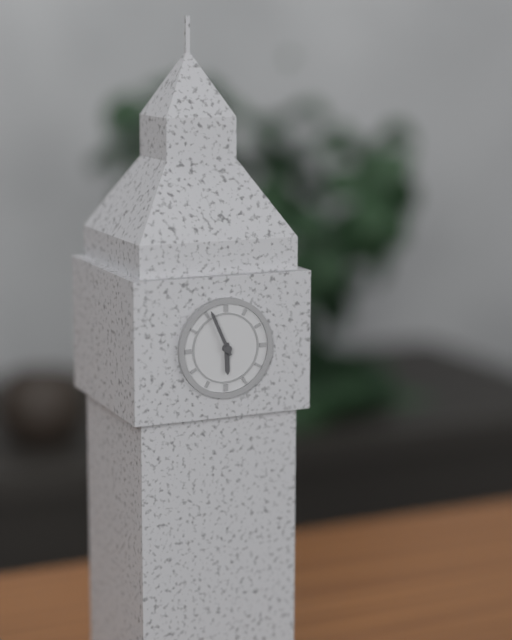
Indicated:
5.56
